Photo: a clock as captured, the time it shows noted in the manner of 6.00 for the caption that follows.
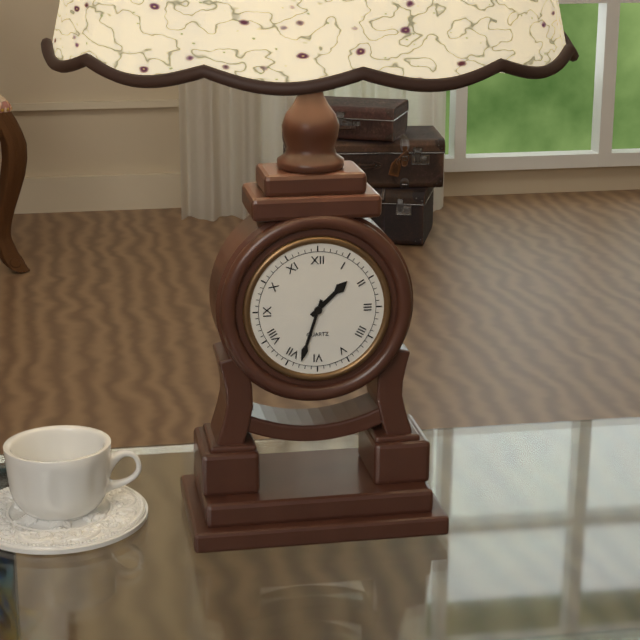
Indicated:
1.33
